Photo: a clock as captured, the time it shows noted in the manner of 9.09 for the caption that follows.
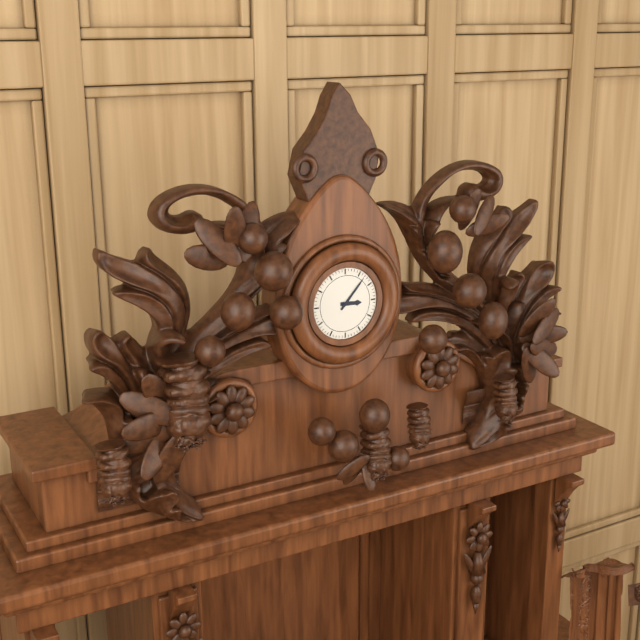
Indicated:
3.07
